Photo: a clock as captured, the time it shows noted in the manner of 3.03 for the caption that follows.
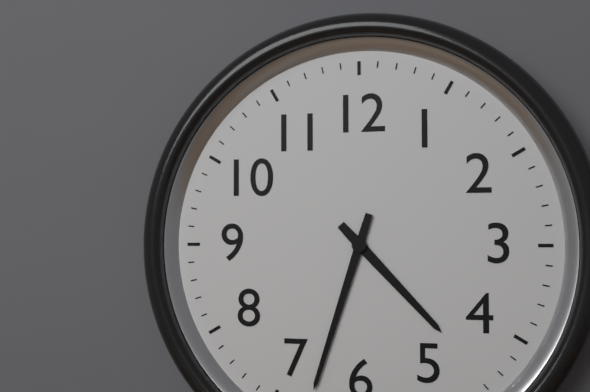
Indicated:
4.33
